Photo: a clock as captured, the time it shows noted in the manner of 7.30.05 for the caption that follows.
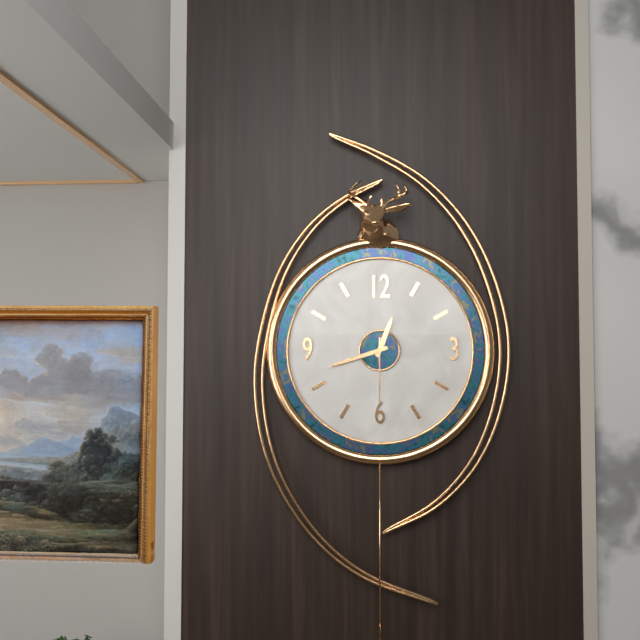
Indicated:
12.42.30
